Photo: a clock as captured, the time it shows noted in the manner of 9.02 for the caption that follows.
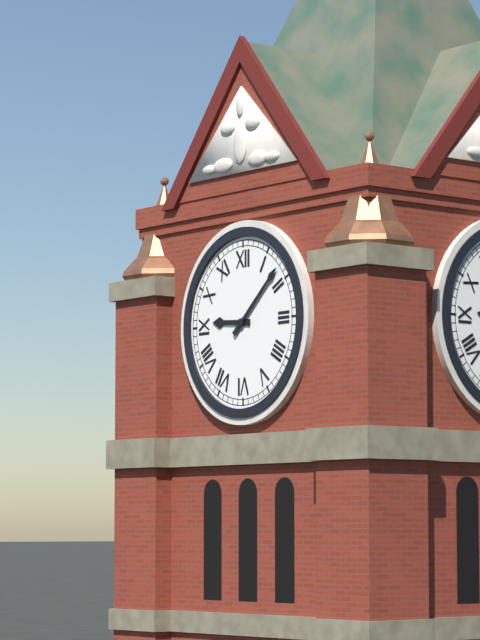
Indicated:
9.08
